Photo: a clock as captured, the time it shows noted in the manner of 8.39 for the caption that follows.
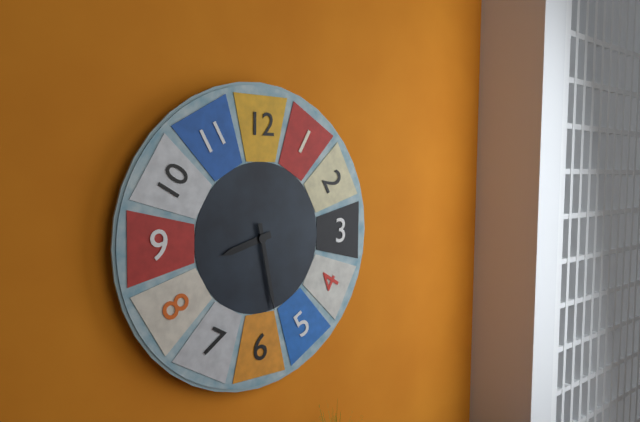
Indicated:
8.28
